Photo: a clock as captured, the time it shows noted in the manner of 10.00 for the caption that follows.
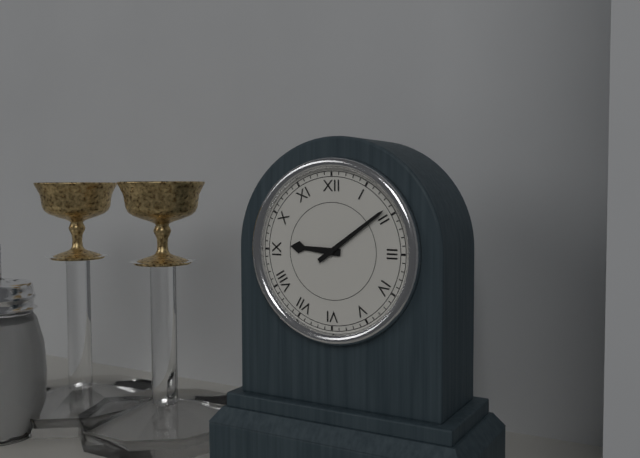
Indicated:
9.09
